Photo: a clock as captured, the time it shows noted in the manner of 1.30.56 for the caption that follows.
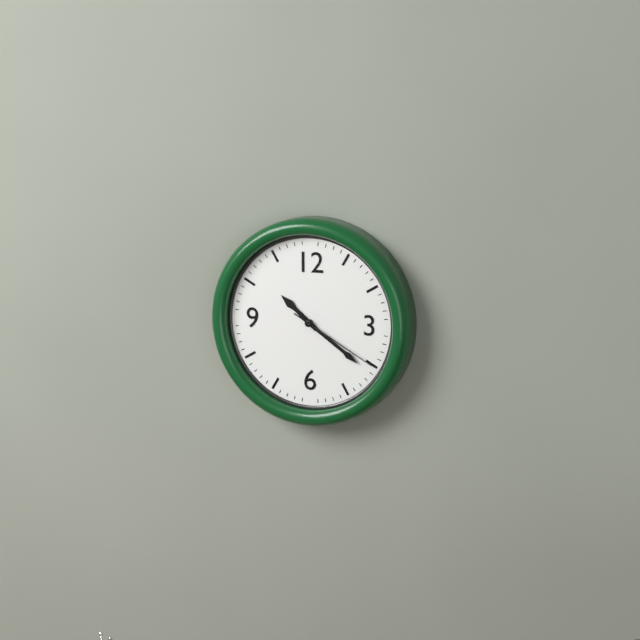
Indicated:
10.21.20
